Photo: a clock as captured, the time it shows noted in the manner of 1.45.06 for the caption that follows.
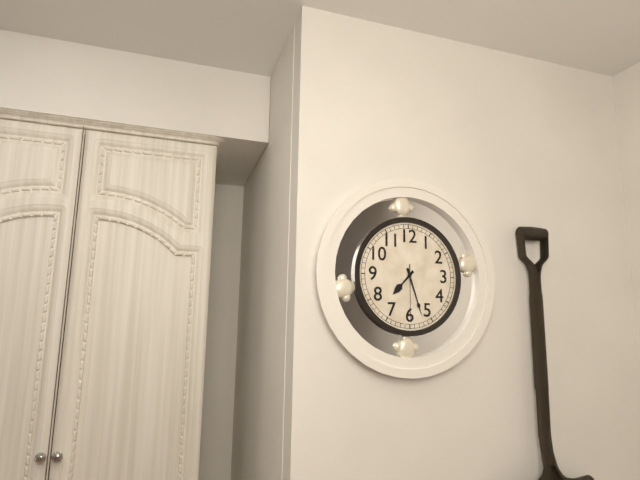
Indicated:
7.27.30
